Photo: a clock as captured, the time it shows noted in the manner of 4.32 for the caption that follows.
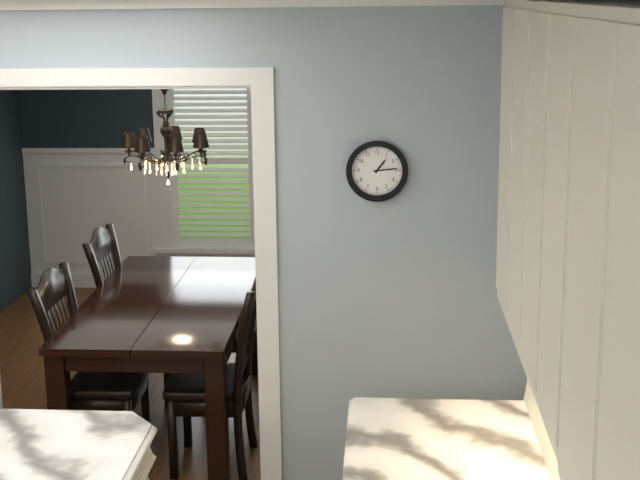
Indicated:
1.14
